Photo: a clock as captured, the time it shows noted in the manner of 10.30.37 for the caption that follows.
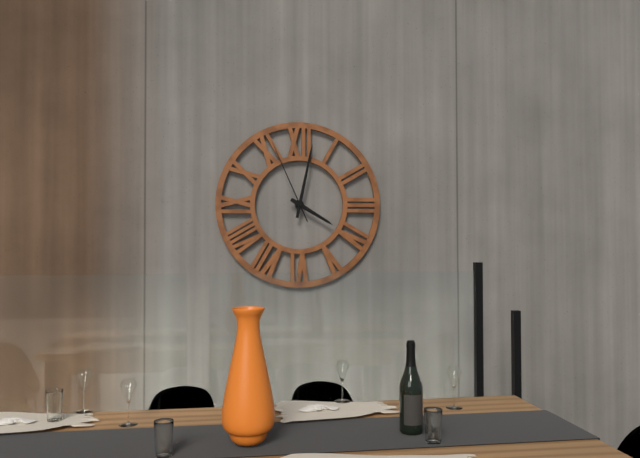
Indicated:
4.02.56
